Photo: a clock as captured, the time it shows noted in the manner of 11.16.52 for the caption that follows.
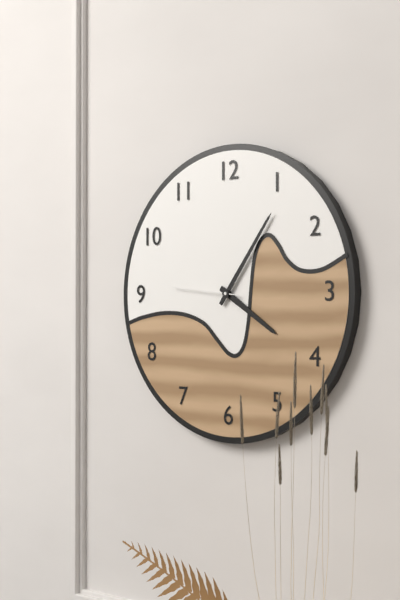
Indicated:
4.06.46
